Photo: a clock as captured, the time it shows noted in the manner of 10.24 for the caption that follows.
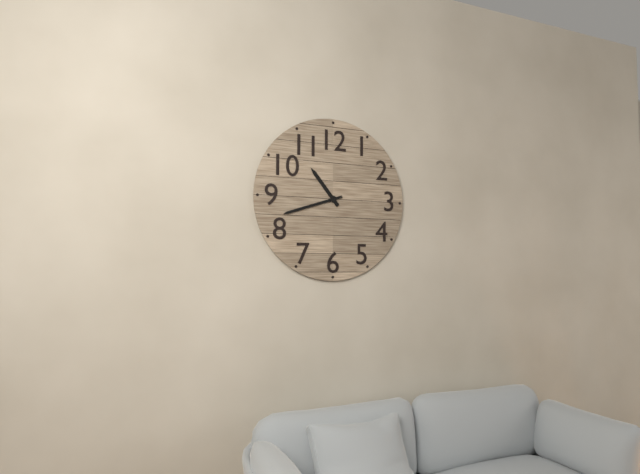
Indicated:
10.42
